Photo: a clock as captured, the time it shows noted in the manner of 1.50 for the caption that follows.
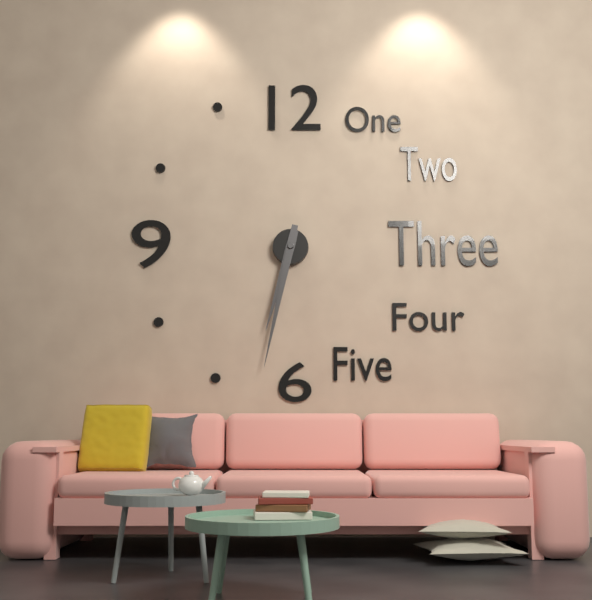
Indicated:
6.32
